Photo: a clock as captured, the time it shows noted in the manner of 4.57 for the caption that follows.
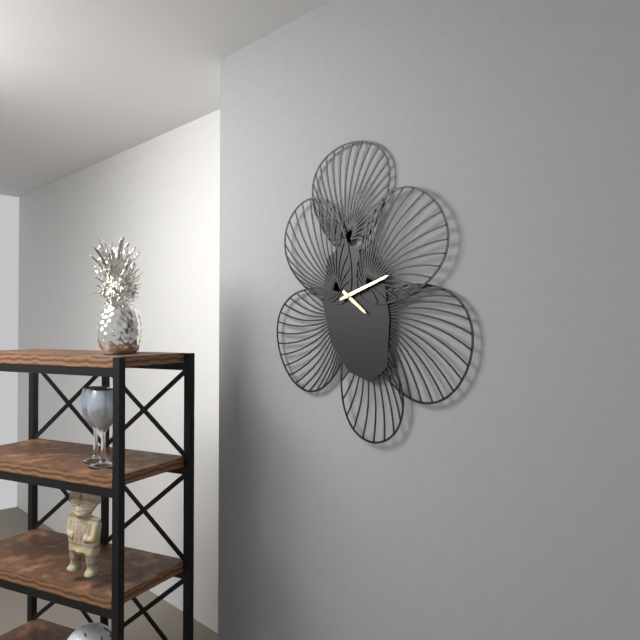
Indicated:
4.12
